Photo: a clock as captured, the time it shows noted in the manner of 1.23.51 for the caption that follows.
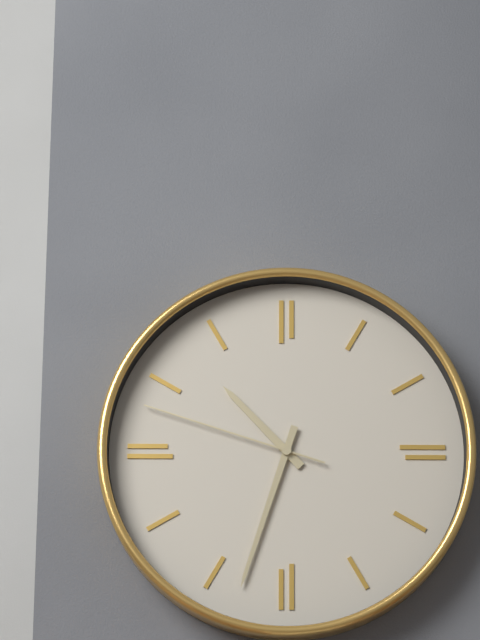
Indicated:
10.33.48
